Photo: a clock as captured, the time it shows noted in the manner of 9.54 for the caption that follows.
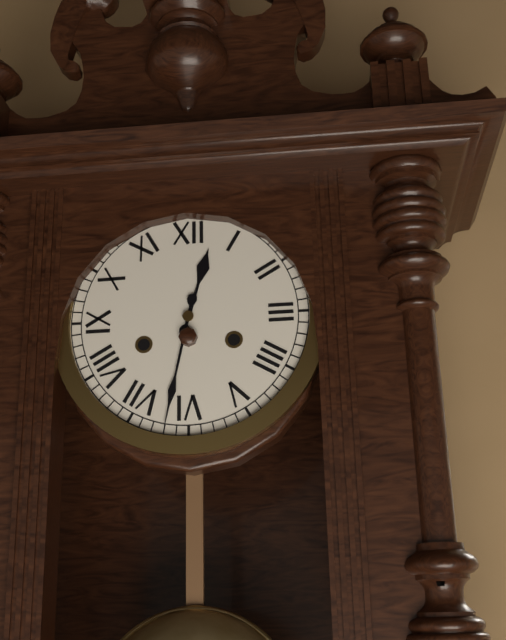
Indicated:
12.32
